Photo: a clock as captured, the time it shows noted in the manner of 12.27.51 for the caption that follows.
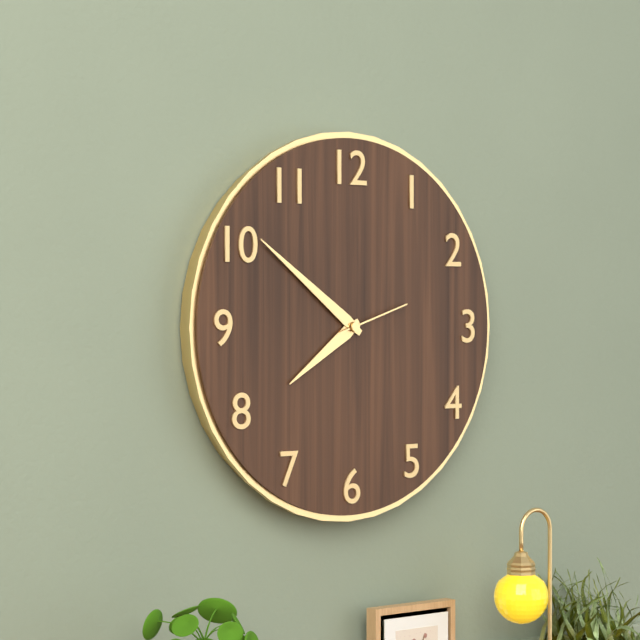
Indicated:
7.51.12
